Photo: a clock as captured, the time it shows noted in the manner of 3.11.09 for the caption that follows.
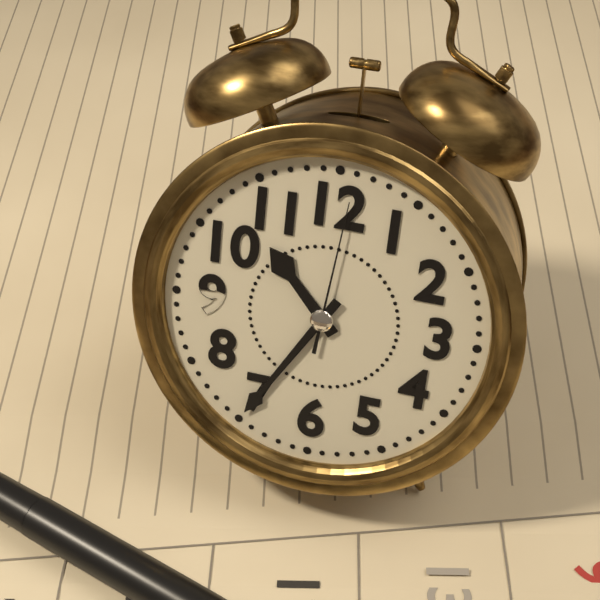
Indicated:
10.35.01
